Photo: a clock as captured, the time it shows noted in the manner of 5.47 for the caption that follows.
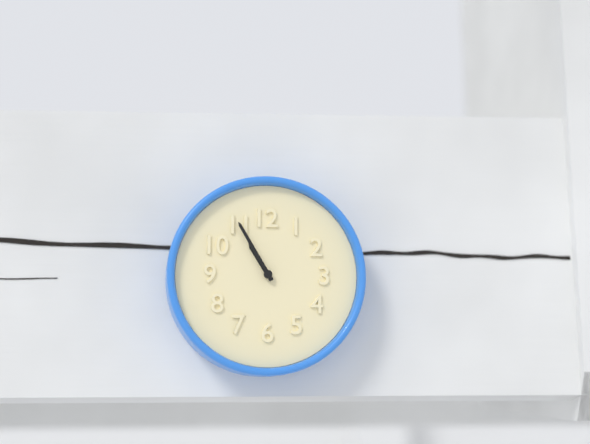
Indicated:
10.55
